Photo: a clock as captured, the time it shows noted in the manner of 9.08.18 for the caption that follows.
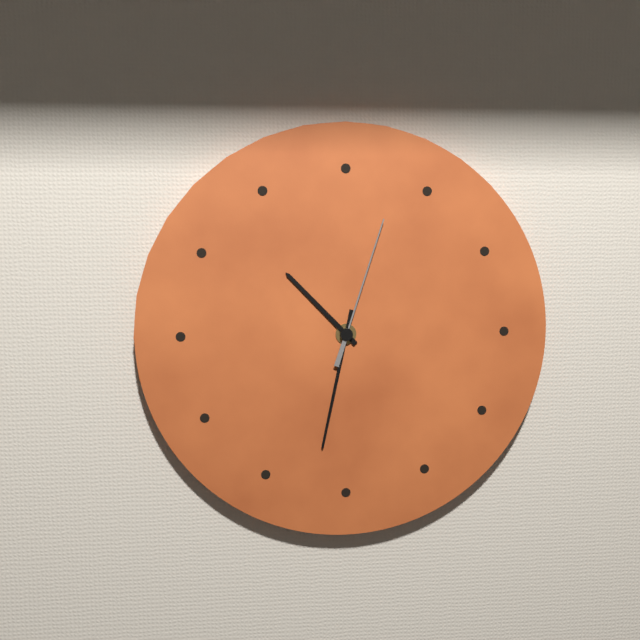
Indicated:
10.32.03
